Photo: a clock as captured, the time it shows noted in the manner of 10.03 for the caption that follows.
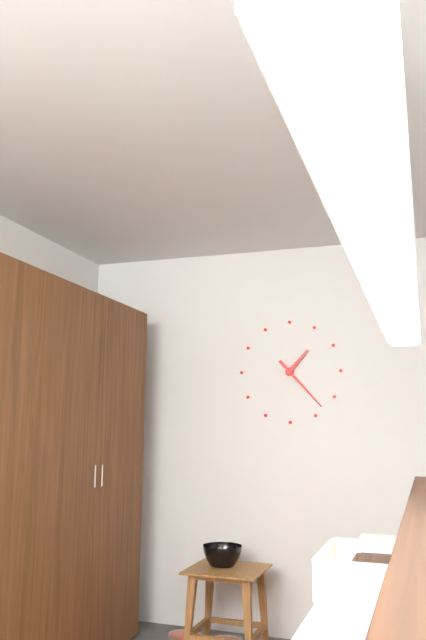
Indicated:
1.23
